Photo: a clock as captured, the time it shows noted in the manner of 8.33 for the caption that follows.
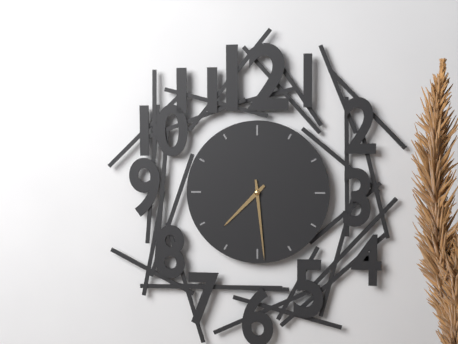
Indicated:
7.29
